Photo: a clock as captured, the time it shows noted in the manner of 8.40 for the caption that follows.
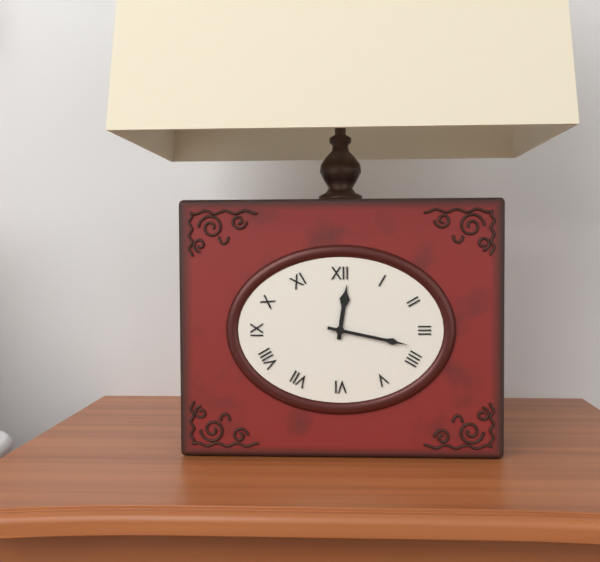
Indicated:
12.17
